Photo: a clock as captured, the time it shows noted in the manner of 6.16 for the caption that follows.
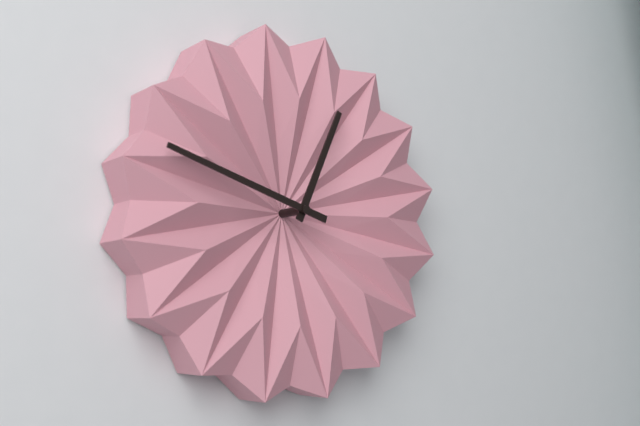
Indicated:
12.48
